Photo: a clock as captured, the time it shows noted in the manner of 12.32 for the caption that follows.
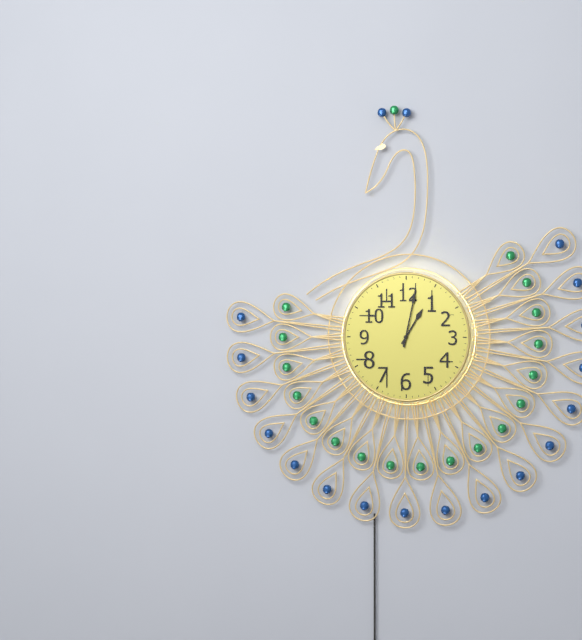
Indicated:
1.02
